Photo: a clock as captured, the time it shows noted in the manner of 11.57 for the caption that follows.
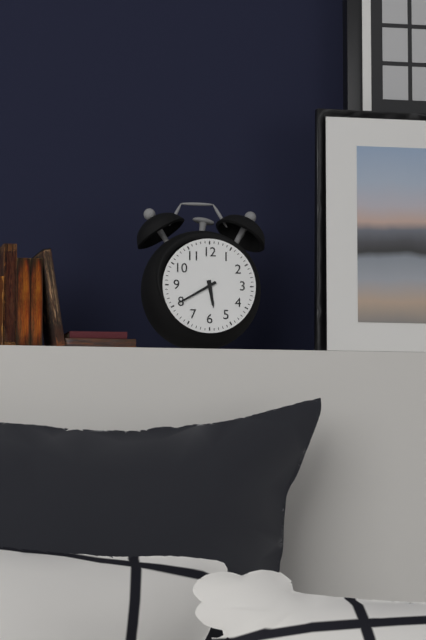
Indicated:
5.40
